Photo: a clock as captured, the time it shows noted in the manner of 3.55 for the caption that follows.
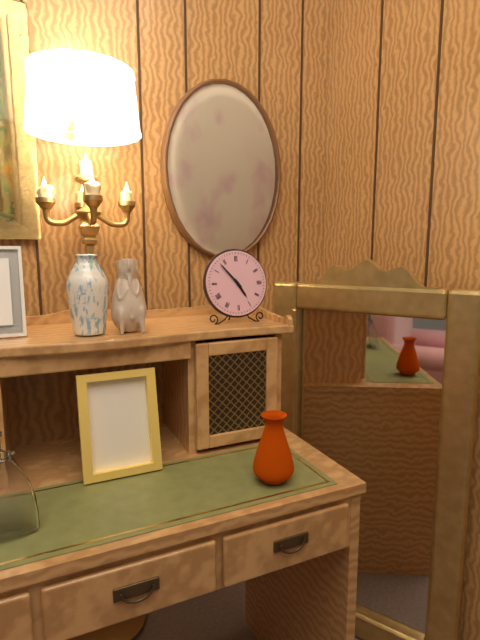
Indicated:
4.53
